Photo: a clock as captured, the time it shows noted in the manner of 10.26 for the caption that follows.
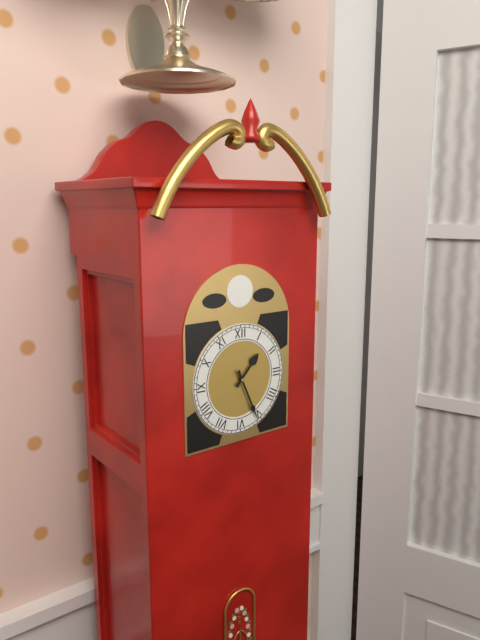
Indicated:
1.26
